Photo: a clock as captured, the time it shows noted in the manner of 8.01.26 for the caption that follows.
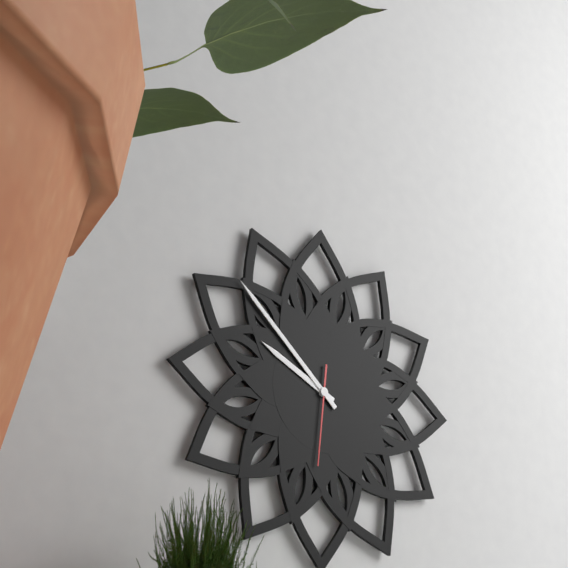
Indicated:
9.52.31
